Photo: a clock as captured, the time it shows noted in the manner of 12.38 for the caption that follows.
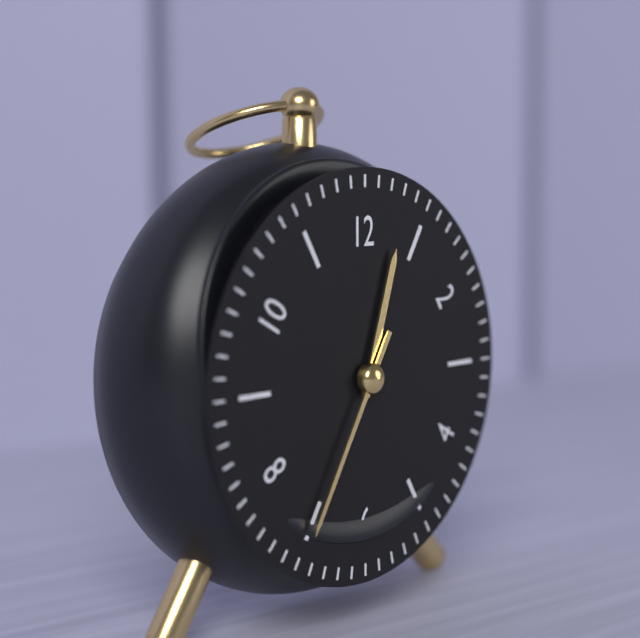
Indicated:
12.35
